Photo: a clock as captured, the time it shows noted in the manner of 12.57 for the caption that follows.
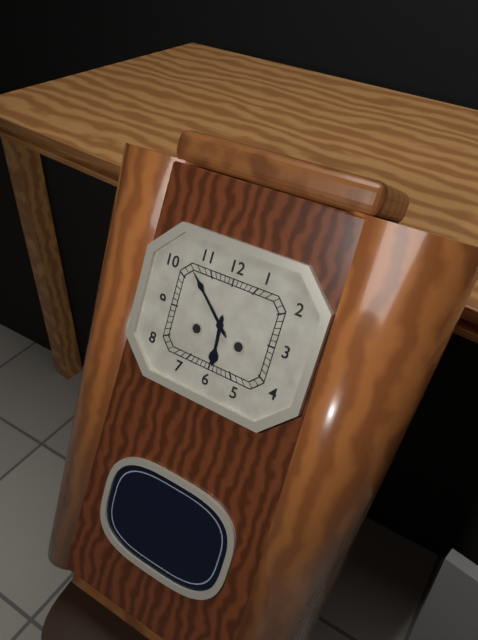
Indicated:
5.52
